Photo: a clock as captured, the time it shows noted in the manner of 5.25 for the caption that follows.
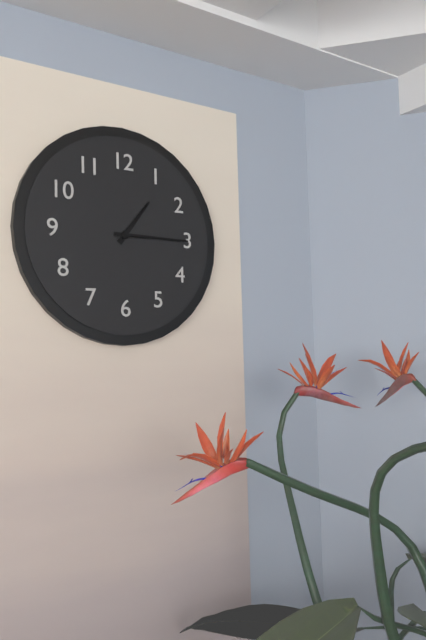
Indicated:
1.15
